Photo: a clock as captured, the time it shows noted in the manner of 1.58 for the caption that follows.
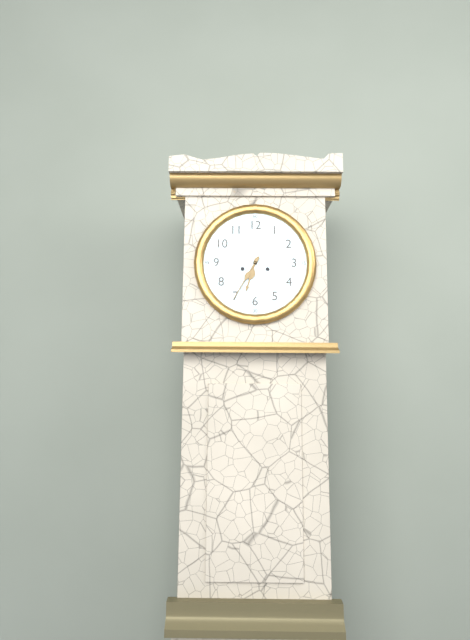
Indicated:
6.35
